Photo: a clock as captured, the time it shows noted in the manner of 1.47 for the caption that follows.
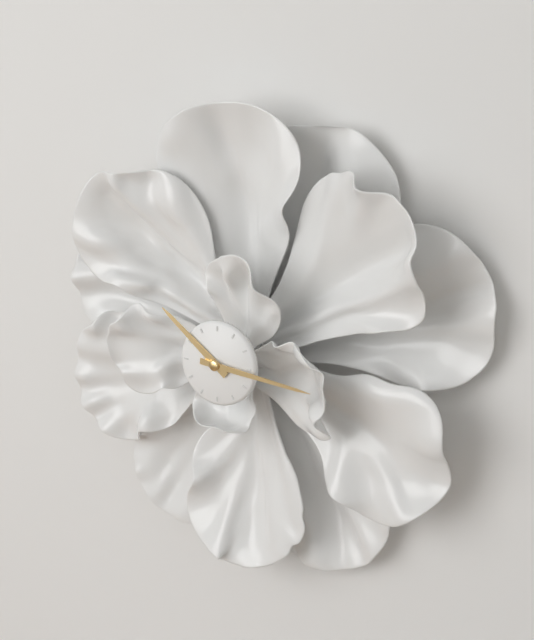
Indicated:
10.16
